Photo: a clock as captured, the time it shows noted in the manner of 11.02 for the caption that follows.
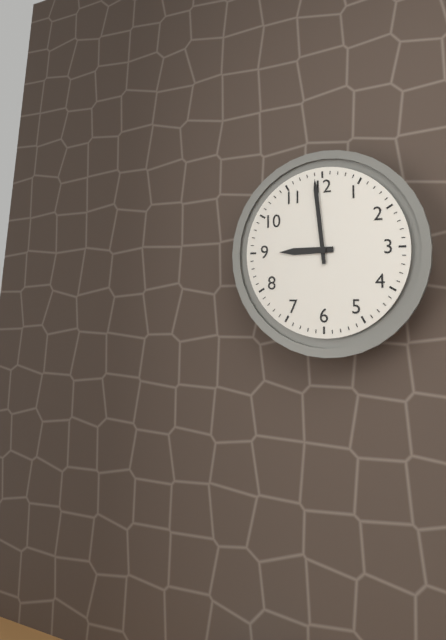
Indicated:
8.59
